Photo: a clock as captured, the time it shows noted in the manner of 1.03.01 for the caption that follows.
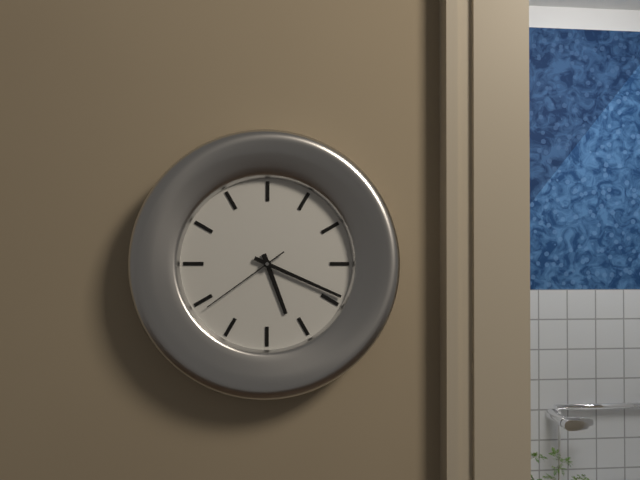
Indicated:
5.19.39
